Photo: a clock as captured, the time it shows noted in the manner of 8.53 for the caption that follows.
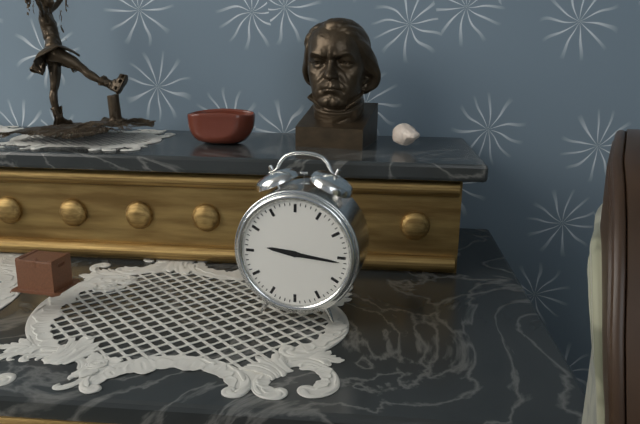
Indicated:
9.16
